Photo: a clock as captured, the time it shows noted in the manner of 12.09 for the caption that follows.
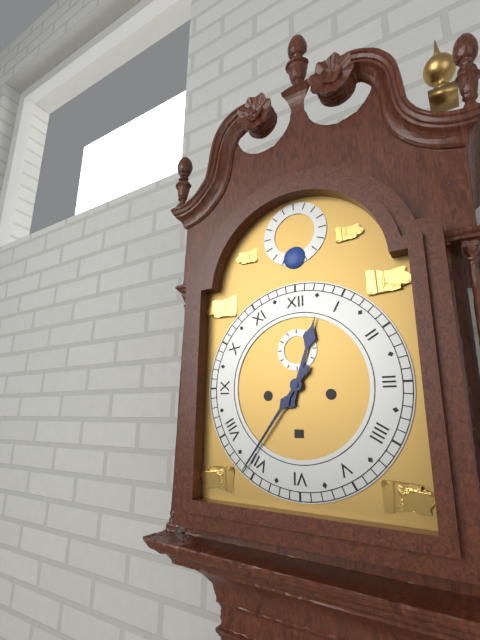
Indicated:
12.36
